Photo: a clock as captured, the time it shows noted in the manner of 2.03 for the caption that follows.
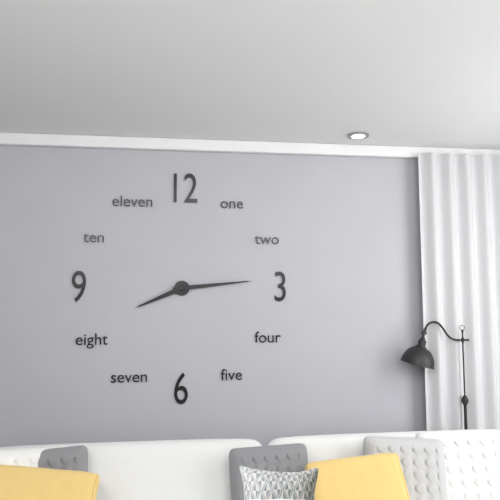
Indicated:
8.14
